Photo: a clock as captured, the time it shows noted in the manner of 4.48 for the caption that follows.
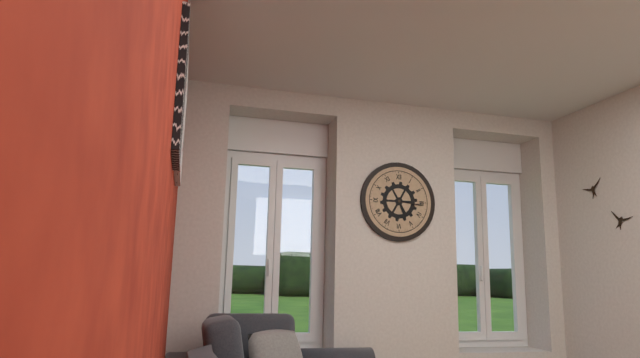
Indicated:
5.16
